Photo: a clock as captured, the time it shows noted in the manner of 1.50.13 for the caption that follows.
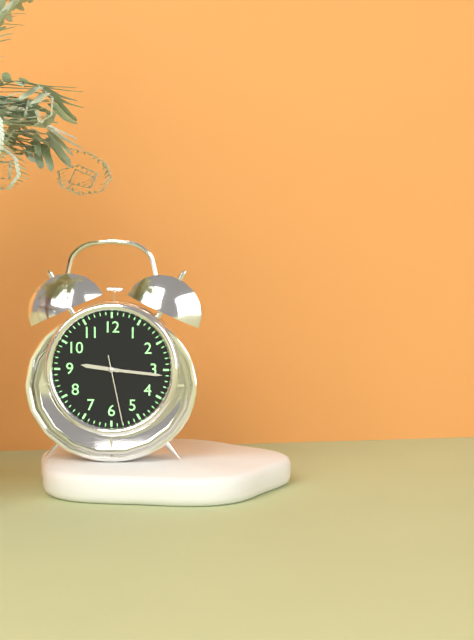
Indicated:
9.16.28
